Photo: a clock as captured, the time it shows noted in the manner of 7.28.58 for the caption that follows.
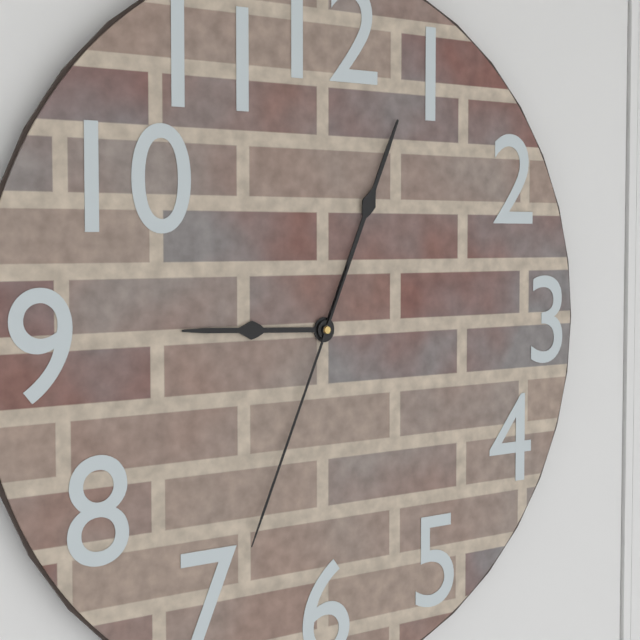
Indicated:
9.04.34
